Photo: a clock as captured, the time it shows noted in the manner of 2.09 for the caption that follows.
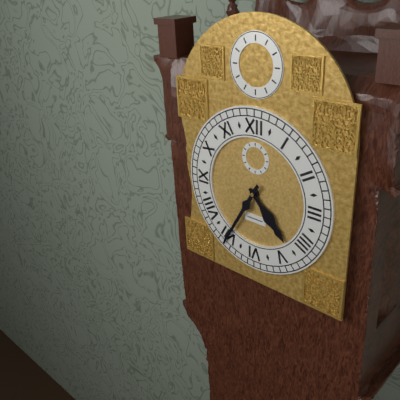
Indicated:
4.35
